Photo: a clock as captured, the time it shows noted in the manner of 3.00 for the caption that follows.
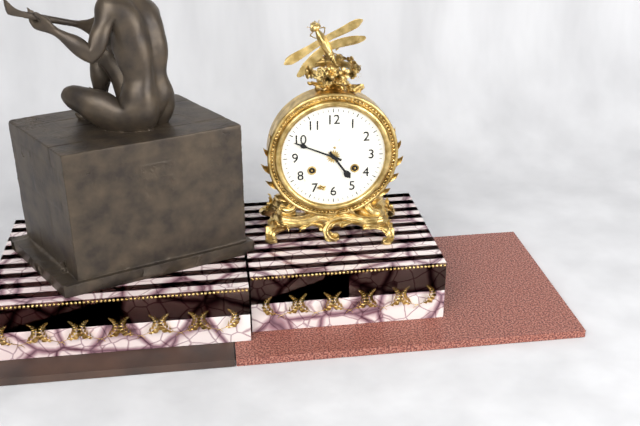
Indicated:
4.49
